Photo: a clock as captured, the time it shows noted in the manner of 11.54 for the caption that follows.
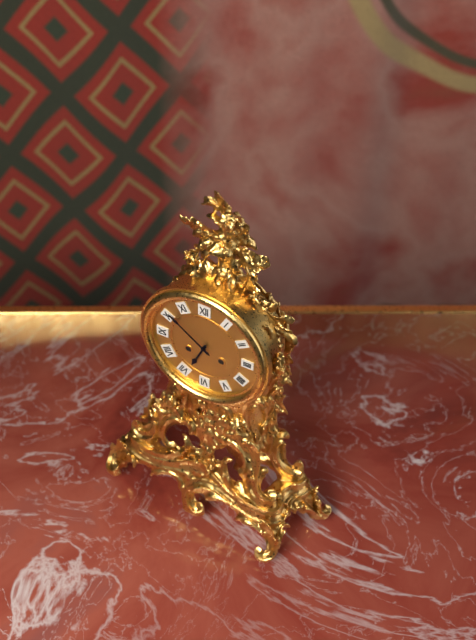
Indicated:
6.51
